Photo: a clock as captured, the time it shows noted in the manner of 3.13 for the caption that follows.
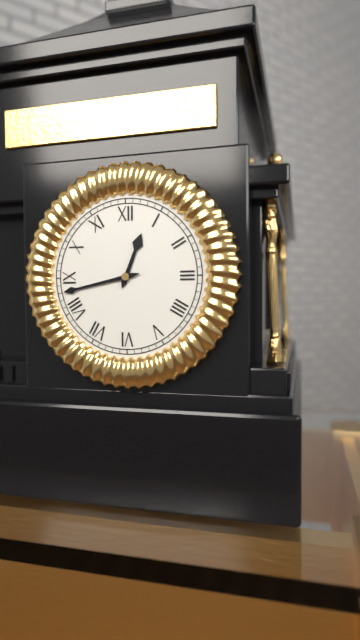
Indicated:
12.43
